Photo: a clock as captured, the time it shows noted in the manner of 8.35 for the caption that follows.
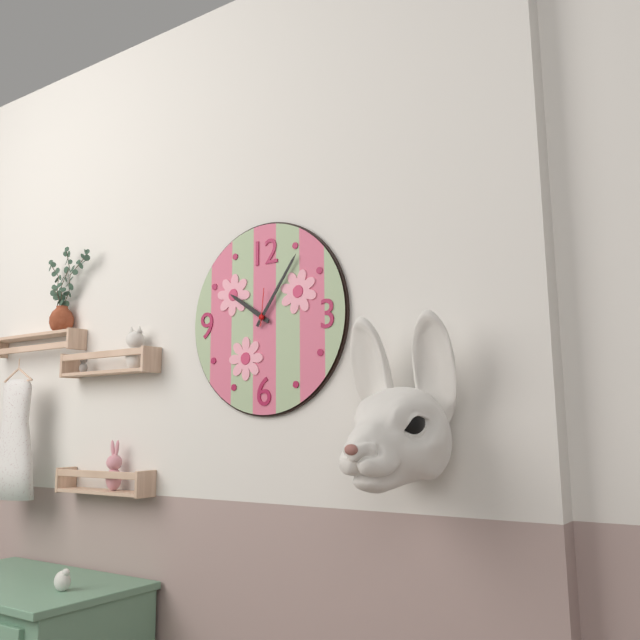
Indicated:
10.06
